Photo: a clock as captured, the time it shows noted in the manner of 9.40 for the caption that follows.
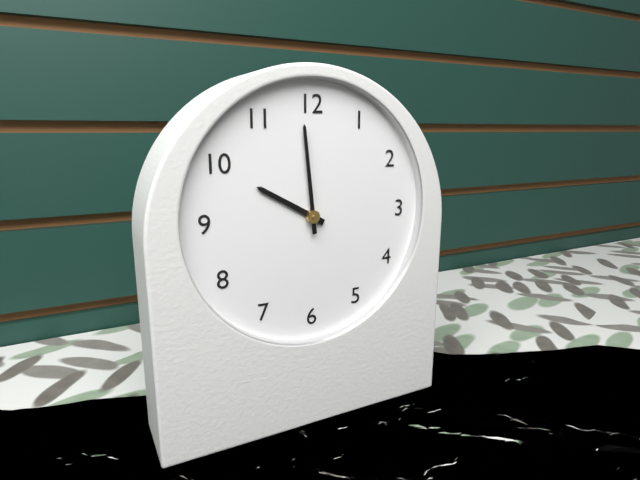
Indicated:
9.59
